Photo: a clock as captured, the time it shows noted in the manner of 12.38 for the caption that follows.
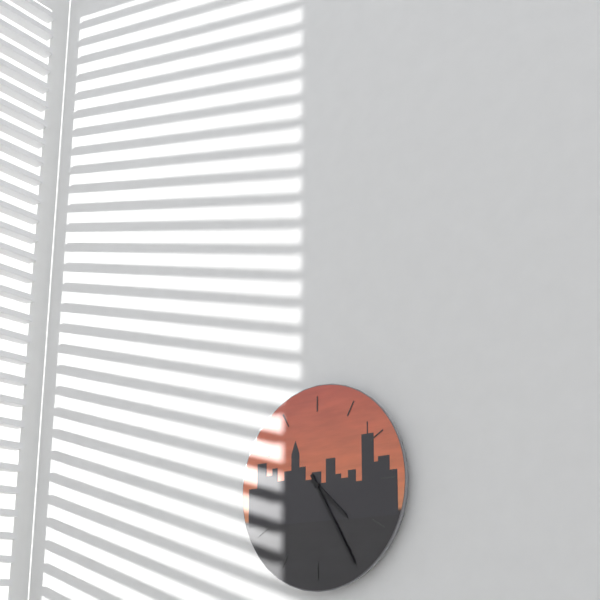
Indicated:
4.25
